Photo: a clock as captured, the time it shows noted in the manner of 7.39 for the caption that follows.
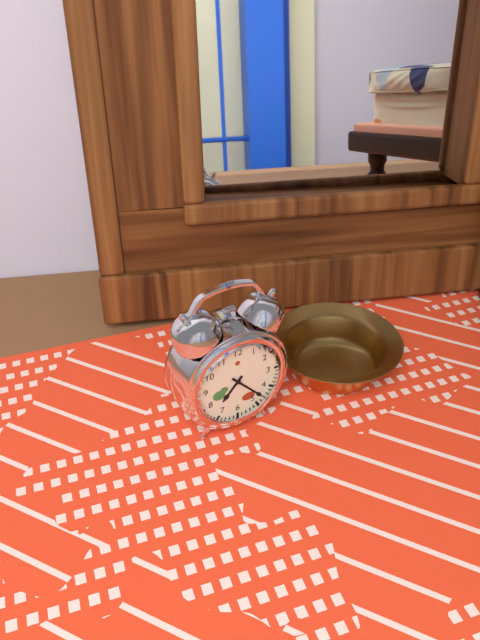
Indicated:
7.23
